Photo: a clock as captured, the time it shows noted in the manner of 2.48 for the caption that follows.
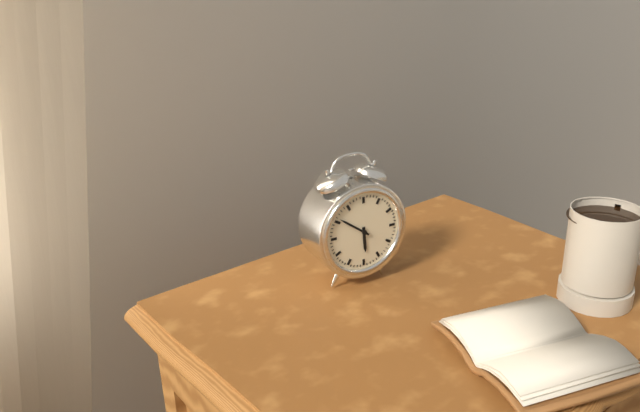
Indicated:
5.51
